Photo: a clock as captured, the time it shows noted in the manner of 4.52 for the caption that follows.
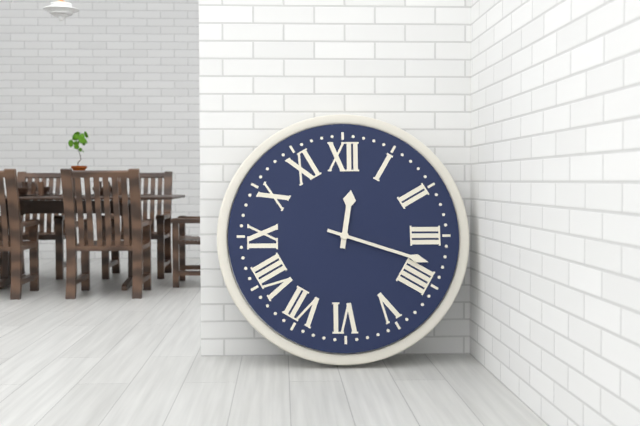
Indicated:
12.18
